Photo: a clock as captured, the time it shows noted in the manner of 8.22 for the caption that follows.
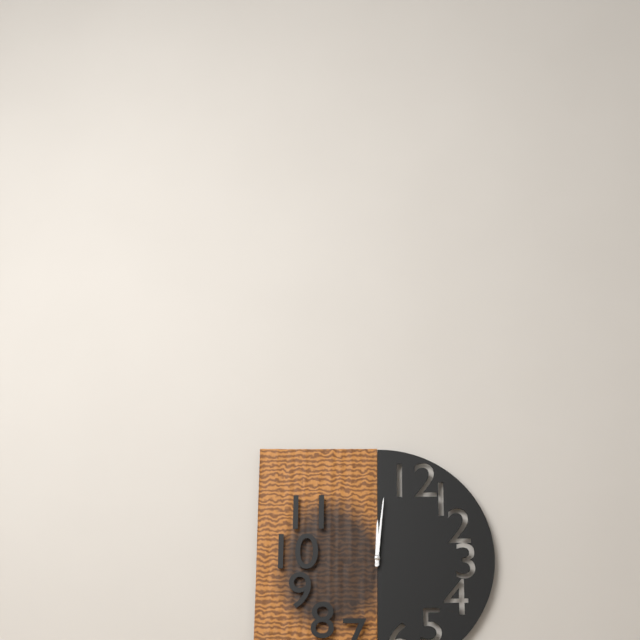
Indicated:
12.01
